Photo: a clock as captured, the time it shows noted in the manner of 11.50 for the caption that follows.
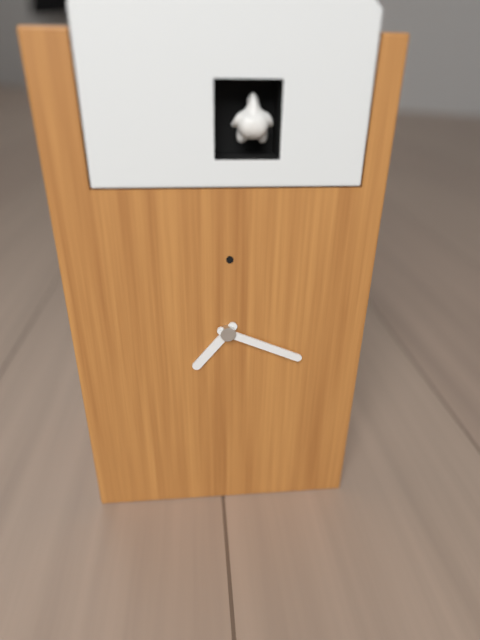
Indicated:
7.19
